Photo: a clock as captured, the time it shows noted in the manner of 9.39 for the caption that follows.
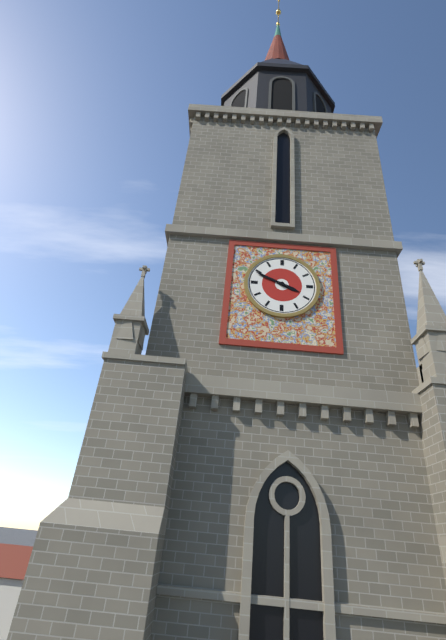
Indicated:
3.49
